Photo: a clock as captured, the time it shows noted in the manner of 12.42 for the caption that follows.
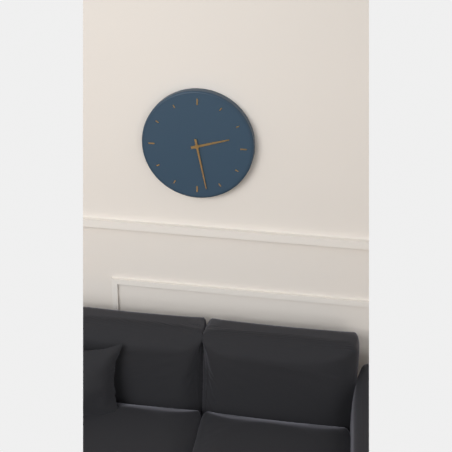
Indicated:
2.28
